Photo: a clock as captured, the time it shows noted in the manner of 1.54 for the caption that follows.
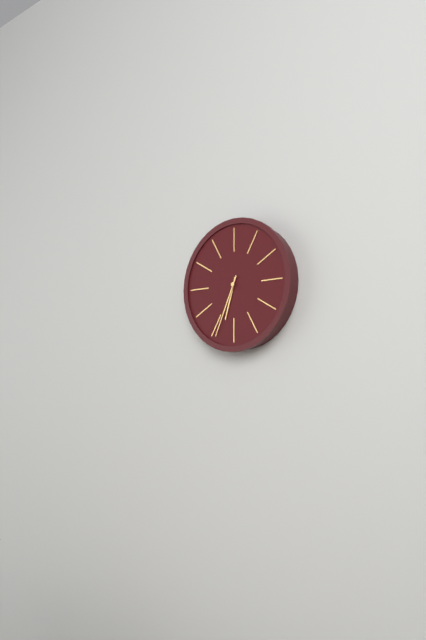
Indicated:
6.34
